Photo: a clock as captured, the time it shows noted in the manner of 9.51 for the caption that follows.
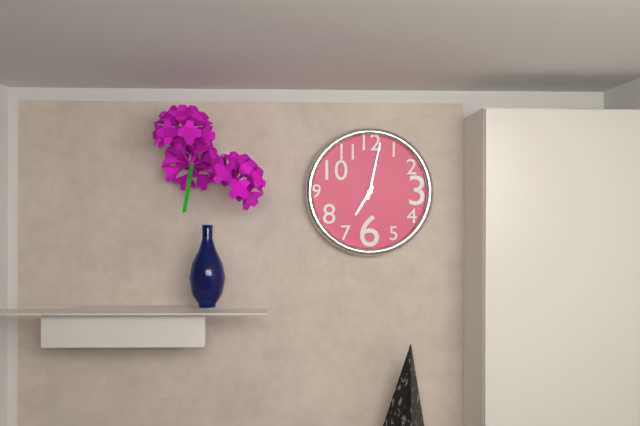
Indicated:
7.02
